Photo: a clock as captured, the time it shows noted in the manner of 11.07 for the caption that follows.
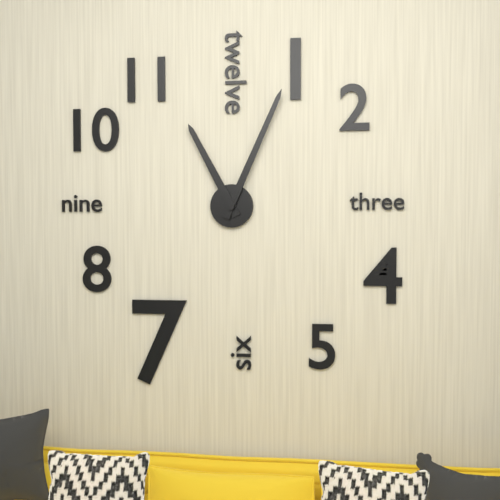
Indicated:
11.04
